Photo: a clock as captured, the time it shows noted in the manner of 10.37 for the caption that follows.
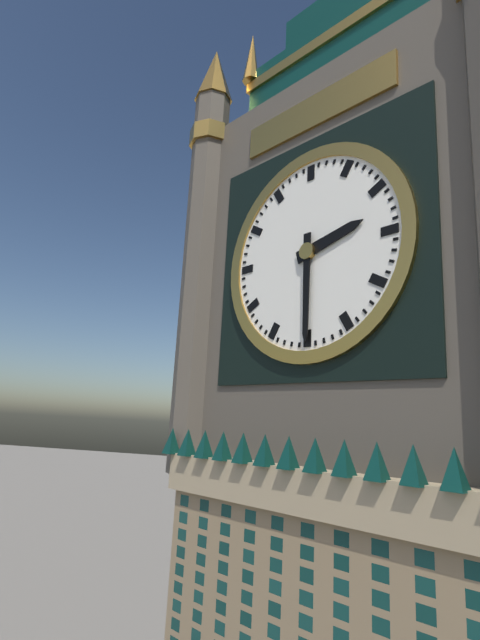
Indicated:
2.30
